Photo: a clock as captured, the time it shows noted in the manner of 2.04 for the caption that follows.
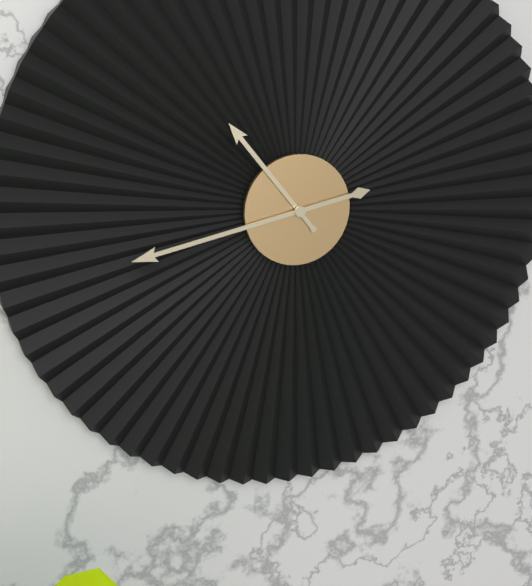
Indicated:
10.43
